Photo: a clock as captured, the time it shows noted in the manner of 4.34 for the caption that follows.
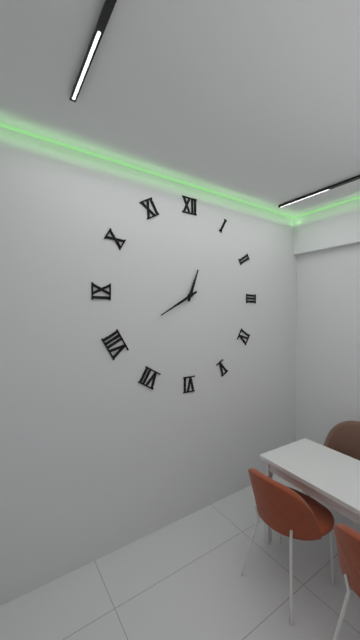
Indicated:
12.40
